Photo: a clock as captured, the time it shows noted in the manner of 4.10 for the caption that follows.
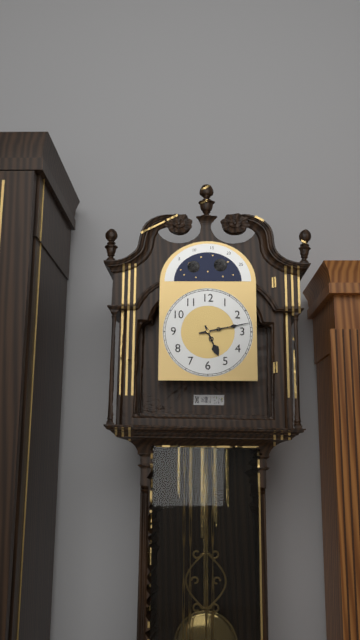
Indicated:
5.13
